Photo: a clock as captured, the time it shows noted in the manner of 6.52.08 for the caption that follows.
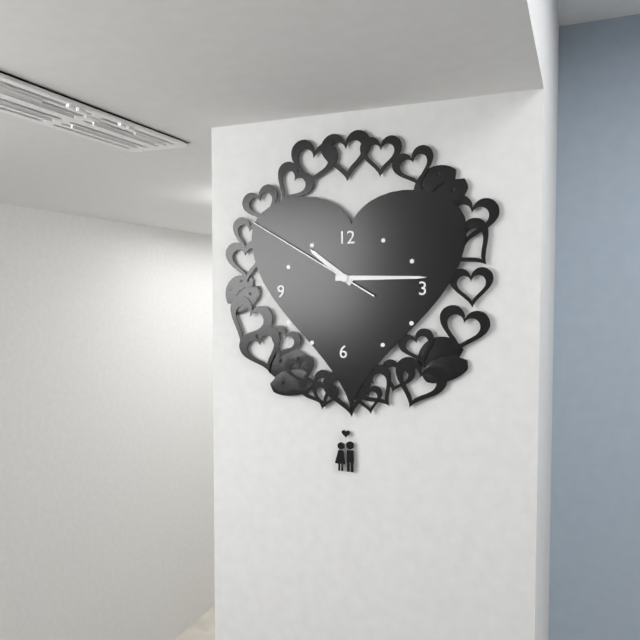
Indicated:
10.15.50
